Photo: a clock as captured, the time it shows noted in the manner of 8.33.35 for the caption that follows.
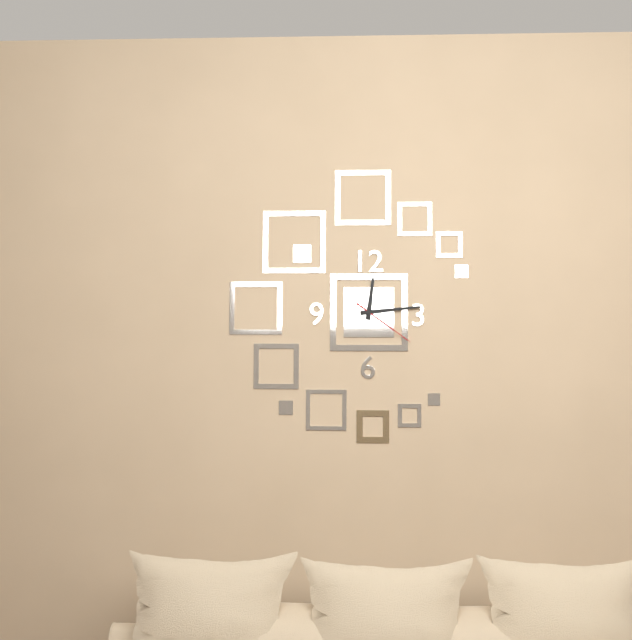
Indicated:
12.14.21
